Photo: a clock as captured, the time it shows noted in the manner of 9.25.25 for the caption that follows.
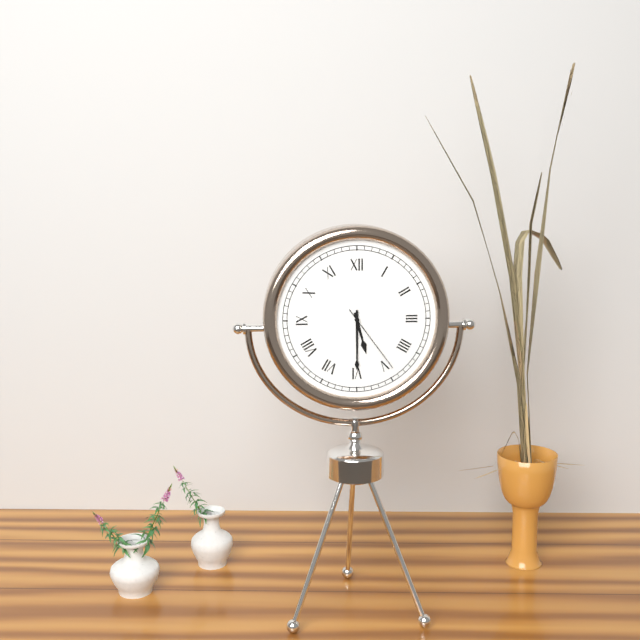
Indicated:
5.30.24
